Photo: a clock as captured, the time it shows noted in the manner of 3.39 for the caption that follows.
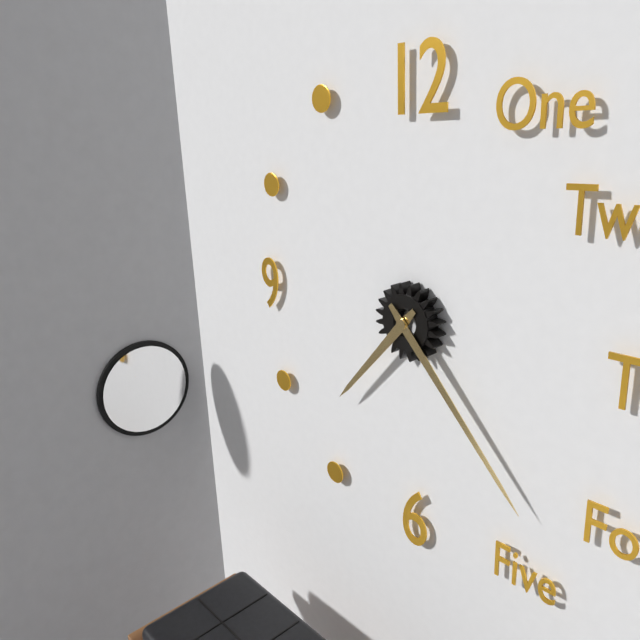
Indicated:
7.23
